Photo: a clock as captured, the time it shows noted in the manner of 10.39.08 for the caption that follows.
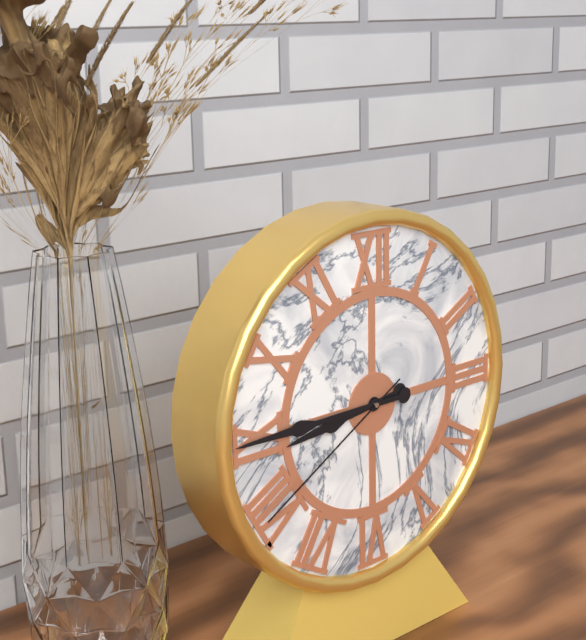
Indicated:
8.45.40
